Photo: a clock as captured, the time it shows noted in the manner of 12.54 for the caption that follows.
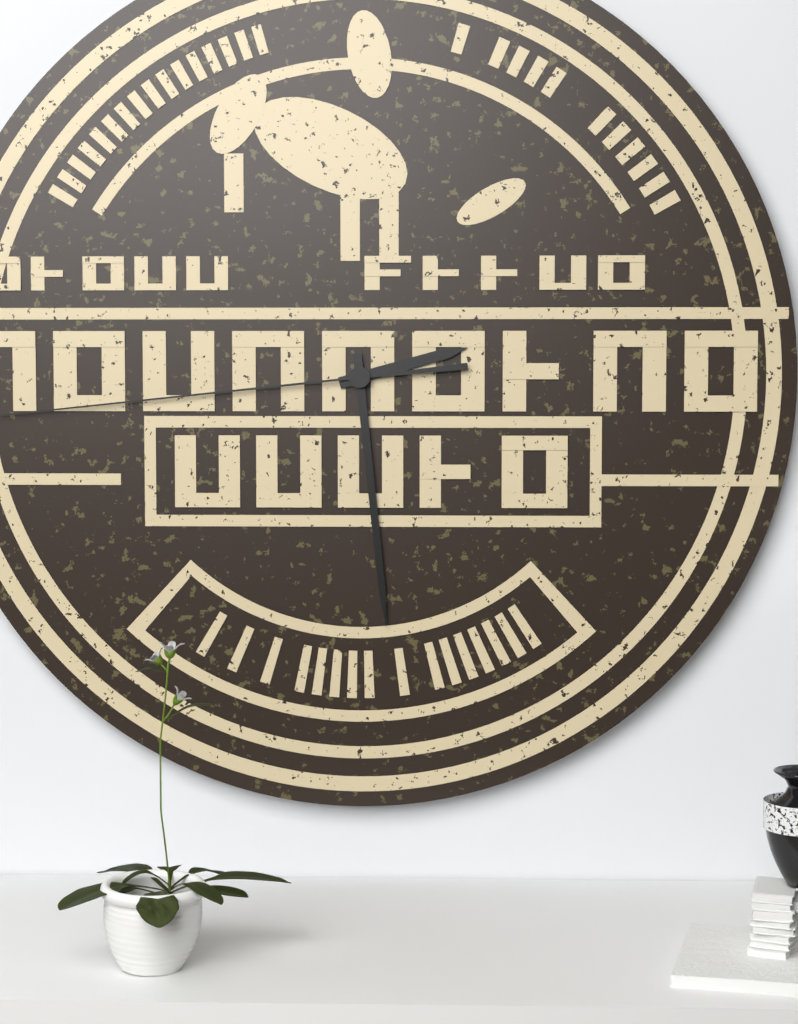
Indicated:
2.29
